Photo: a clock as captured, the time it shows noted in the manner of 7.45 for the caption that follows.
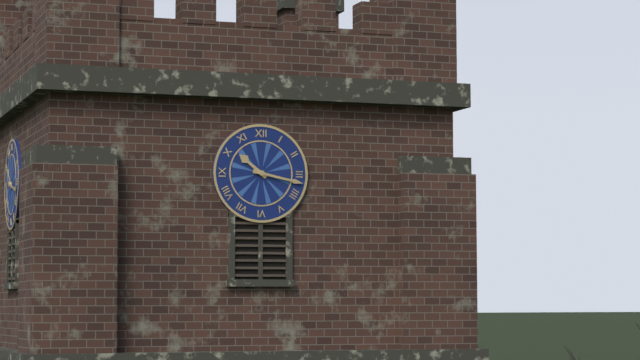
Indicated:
10.17
